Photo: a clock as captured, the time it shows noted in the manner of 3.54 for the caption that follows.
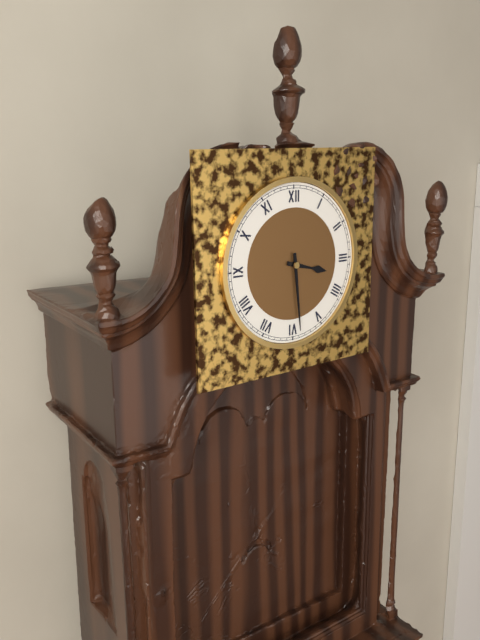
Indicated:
3.29
